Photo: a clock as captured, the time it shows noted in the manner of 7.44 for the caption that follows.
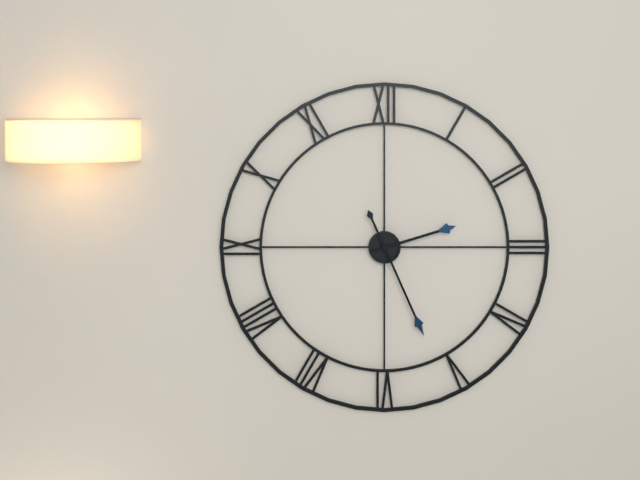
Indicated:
2.26
